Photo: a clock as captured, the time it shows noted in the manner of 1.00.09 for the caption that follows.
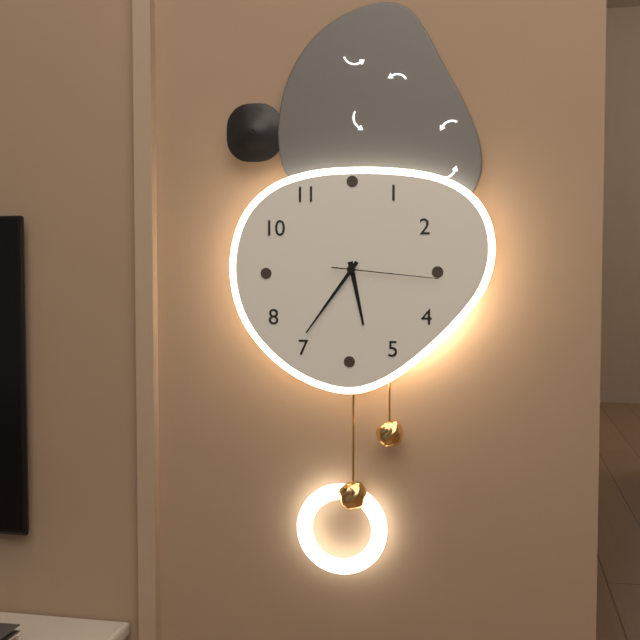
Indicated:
5.36.16
